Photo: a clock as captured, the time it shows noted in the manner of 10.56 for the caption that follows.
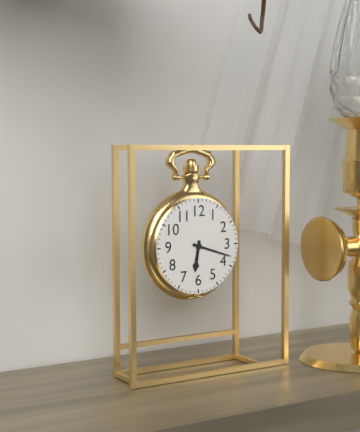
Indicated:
6.18
